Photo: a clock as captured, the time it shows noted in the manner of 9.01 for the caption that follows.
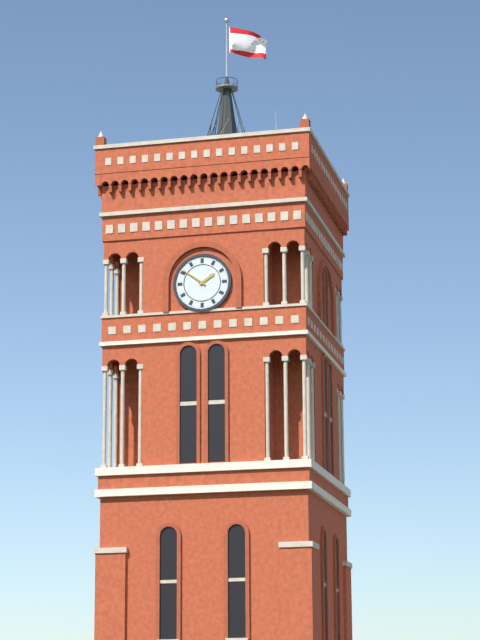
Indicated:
1.51
